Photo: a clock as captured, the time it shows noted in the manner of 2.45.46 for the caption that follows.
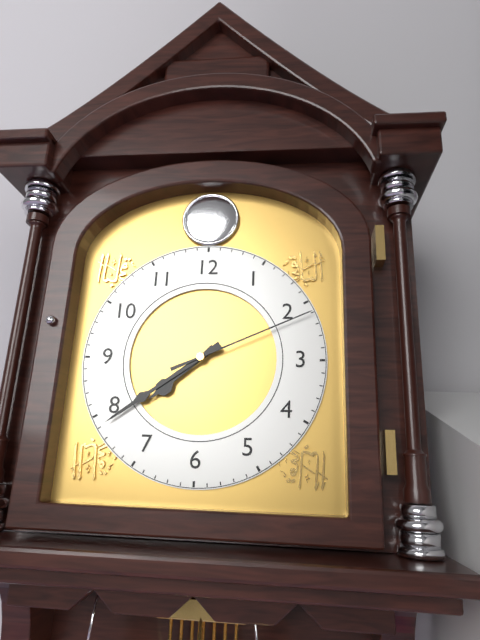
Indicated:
7.39.11
